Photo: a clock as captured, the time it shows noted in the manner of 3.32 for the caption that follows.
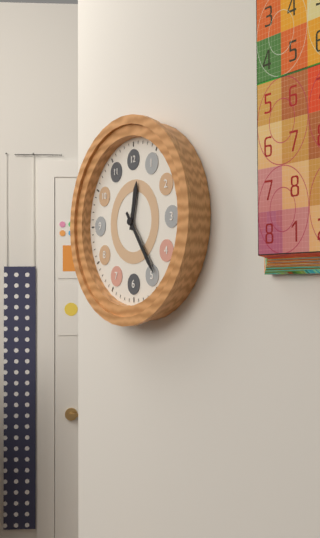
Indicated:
12.24
